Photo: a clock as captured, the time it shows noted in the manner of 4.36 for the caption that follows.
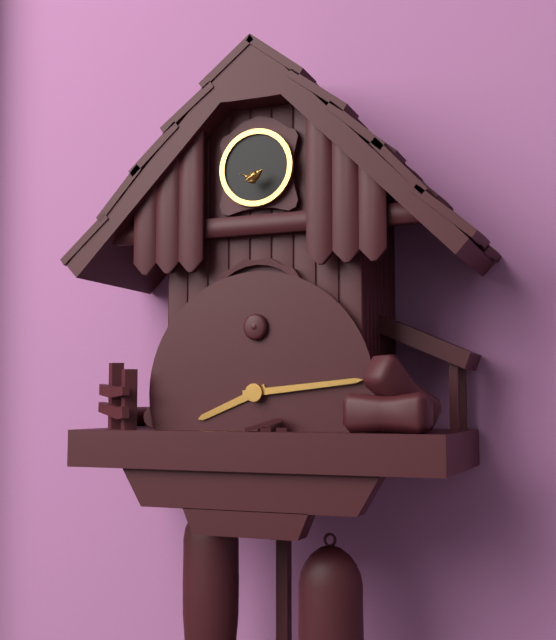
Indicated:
8.14
